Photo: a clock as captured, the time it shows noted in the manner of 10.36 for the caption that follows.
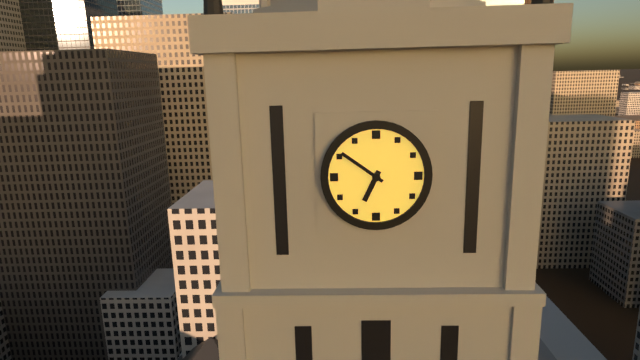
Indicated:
6.51
